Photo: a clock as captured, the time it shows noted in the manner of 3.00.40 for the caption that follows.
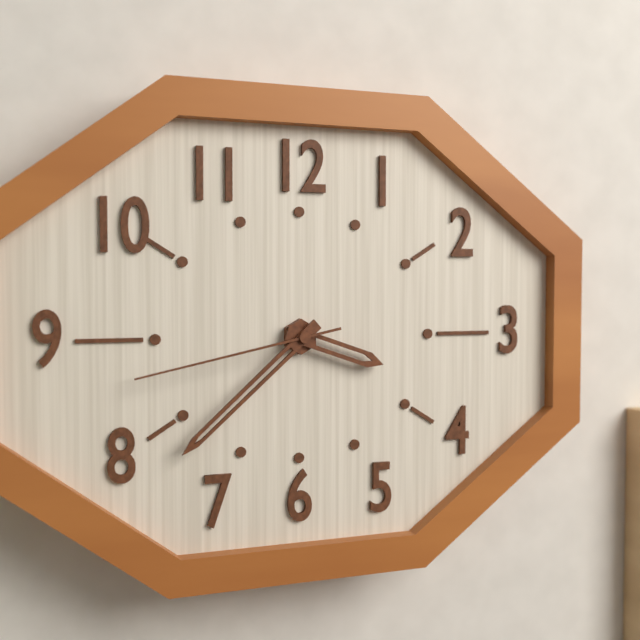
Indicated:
3.38.43
